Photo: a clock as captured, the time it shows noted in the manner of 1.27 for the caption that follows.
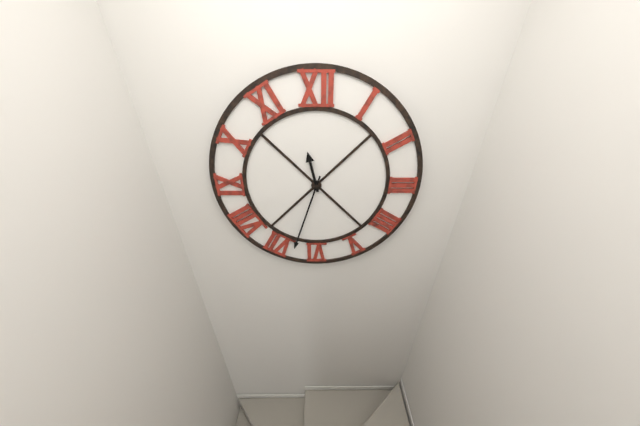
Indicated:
11.33
